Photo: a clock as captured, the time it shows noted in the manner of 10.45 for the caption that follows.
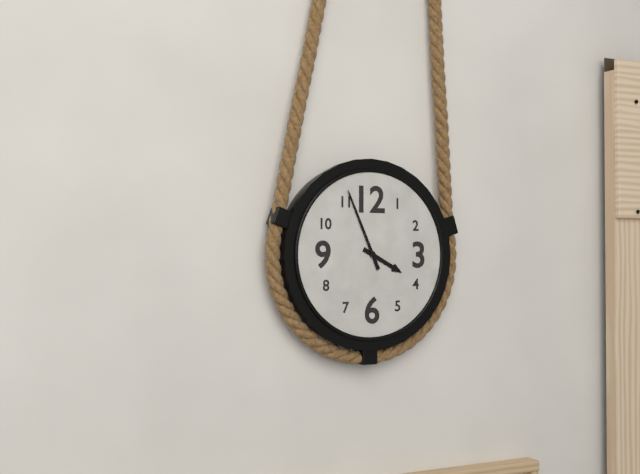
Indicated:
3.56
